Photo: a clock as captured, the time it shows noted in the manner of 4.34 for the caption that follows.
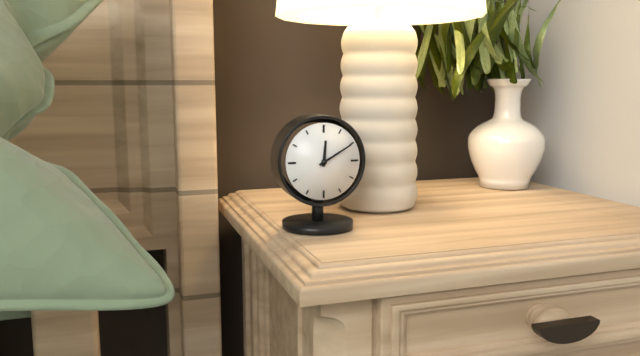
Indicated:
12.10
